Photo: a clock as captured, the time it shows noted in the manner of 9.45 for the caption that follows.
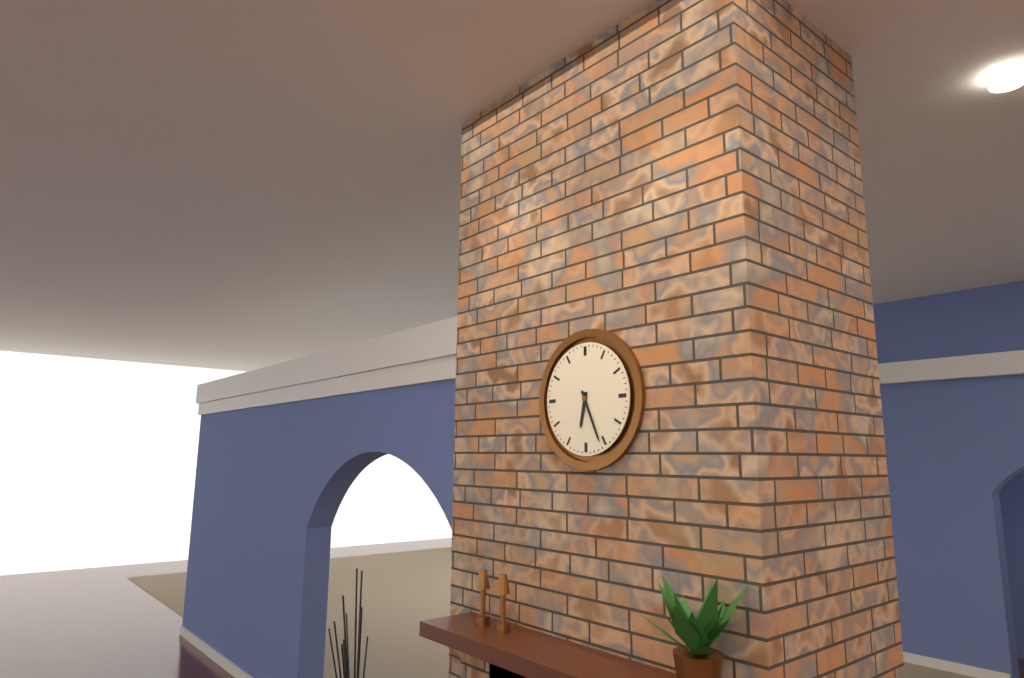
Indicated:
6.26
